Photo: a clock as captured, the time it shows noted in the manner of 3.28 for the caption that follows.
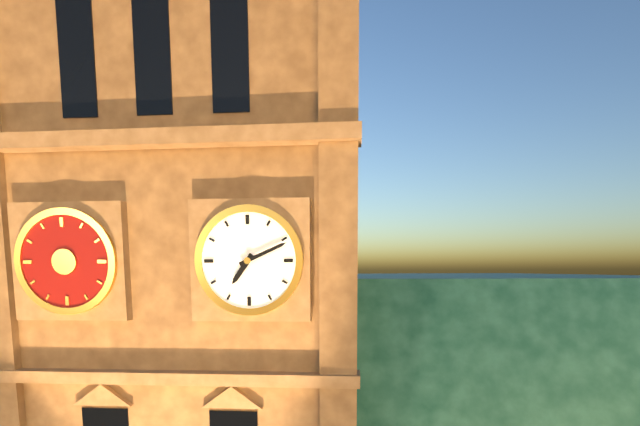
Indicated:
7.11
